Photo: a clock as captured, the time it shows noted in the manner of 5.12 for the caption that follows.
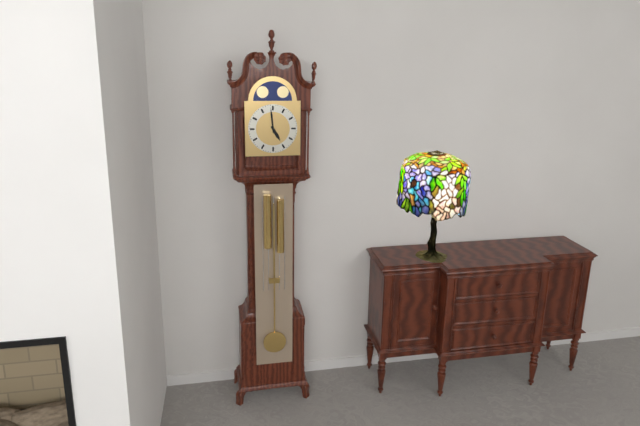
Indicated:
4.59
